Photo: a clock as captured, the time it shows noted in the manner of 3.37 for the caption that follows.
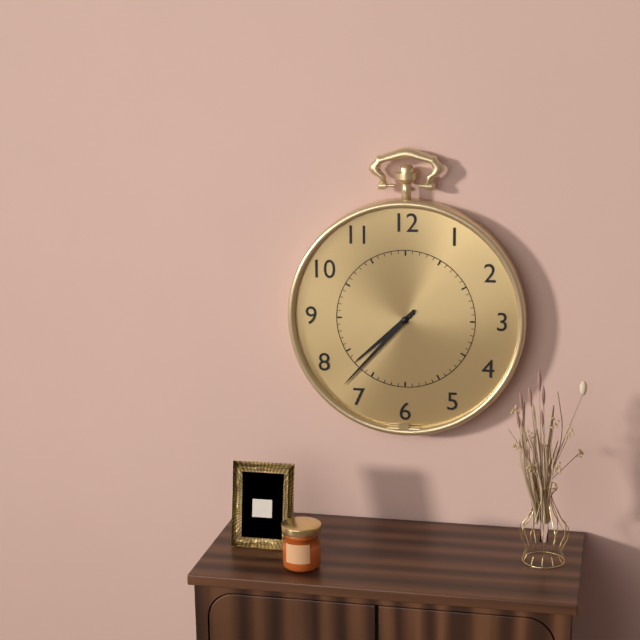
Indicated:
7.37
